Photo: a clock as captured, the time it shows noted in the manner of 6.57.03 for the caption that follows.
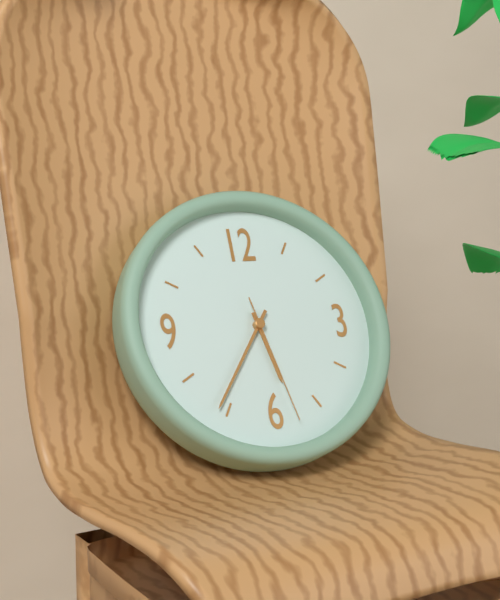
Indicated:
5.36.28
